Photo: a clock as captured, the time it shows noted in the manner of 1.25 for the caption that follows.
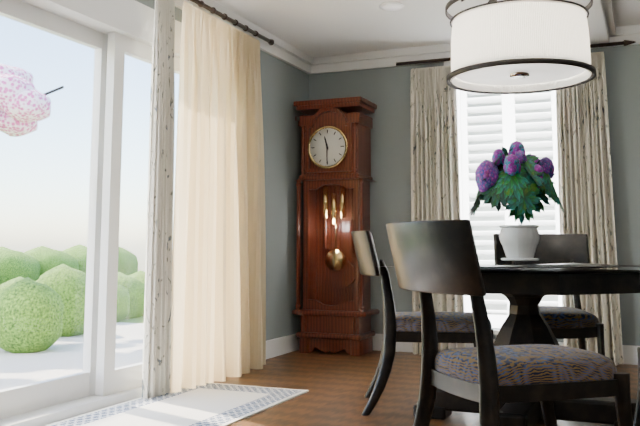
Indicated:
11.30
